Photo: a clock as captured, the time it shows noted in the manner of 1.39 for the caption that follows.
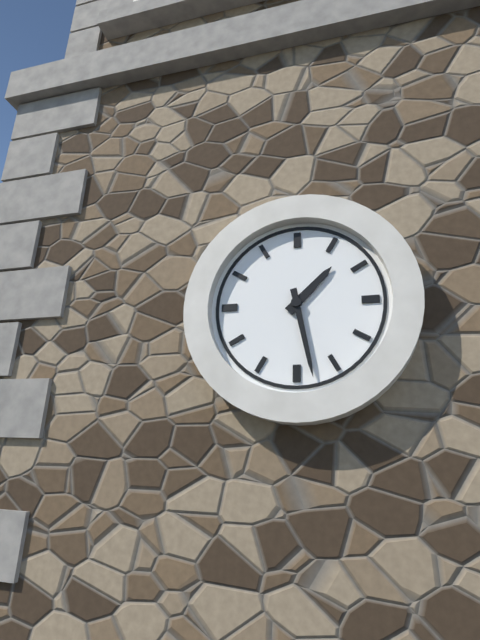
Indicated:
1.28
